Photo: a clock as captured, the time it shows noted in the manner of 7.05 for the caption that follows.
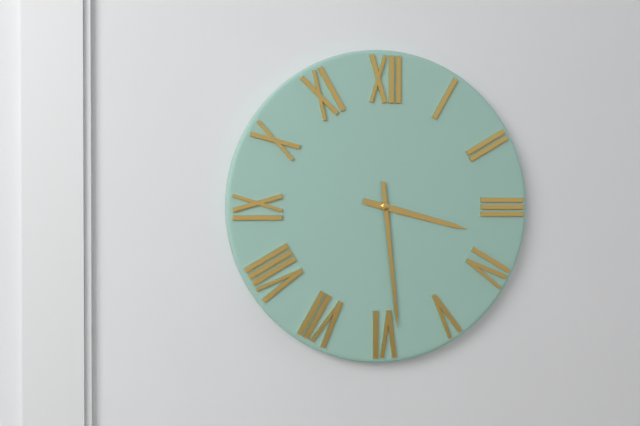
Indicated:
3.29
